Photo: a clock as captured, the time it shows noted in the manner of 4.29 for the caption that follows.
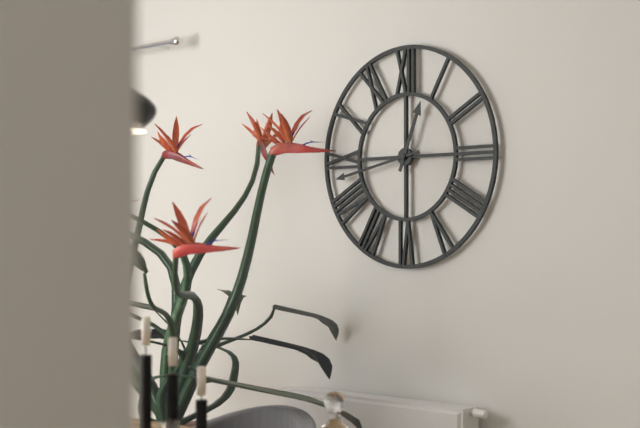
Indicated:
12.43
